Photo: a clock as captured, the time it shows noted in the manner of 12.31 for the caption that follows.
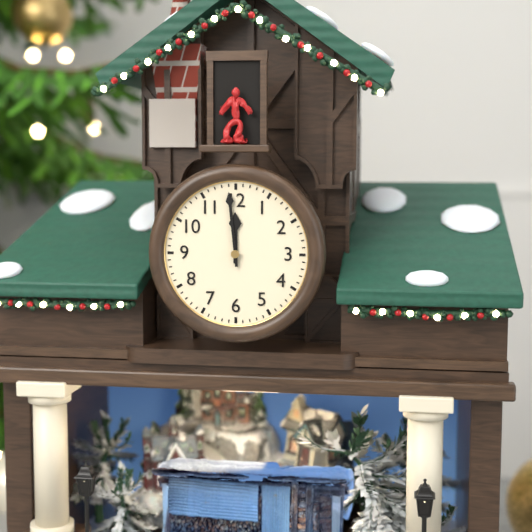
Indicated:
11.59
